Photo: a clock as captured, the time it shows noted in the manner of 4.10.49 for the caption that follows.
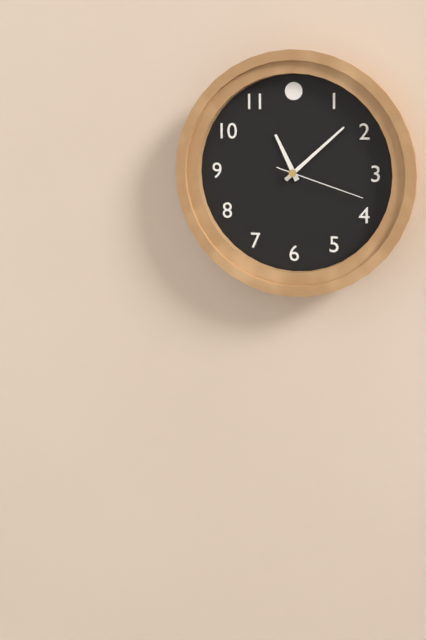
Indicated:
11.08.18
